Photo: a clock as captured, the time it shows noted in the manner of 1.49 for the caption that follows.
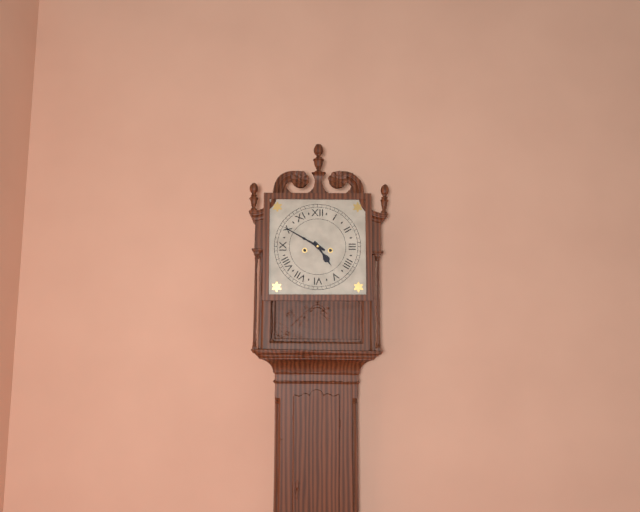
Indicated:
4.50
